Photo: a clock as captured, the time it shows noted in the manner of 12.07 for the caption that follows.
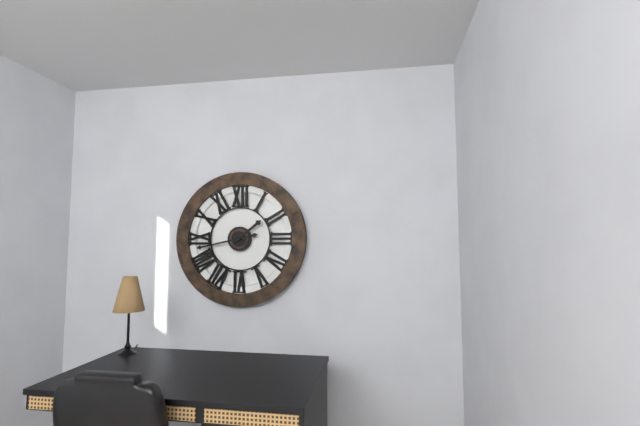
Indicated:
1.43
